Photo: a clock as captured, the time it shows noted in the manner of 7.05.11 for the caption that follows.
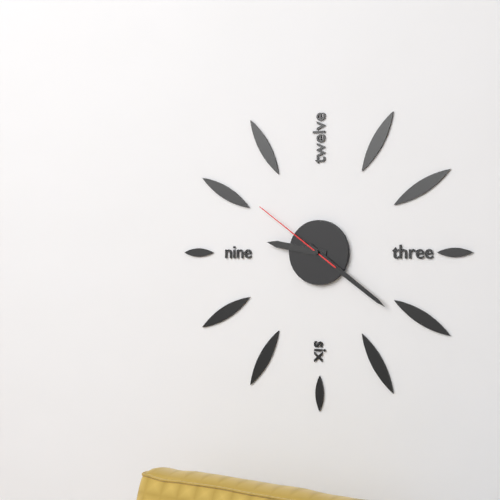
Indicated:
9.21.51
